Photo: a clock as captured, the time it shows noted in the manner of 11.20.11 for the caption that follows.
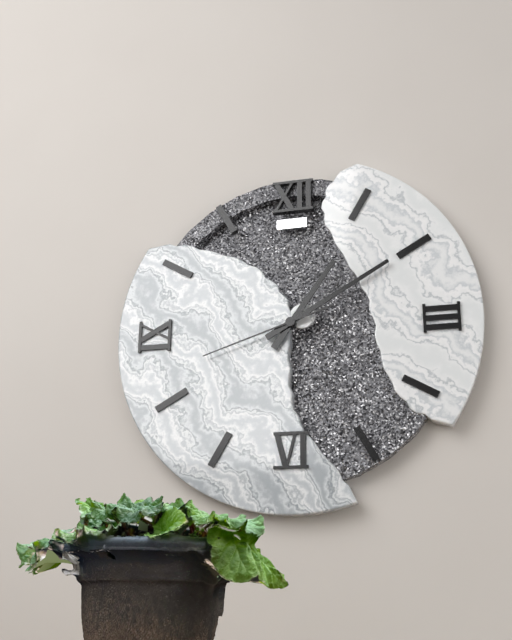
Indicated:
1.10.42
